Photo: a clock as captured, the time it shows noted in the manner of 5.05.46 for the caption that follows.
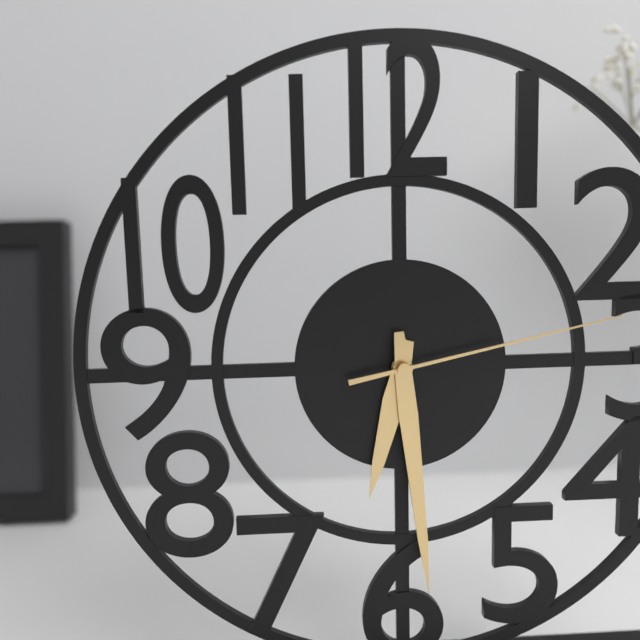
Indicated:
6.29.13
